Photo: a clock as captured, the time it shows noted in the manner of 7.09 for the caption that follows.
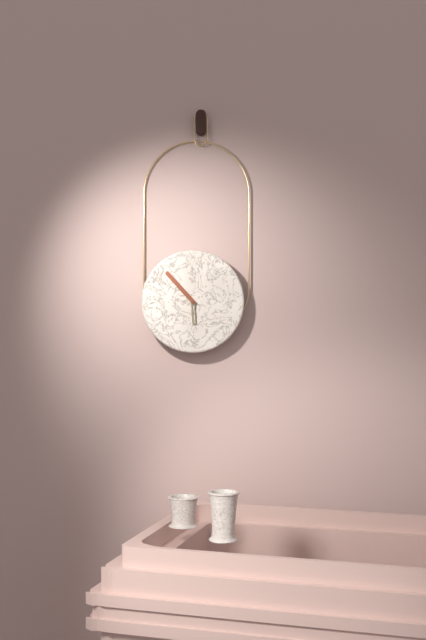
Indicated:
5.53
